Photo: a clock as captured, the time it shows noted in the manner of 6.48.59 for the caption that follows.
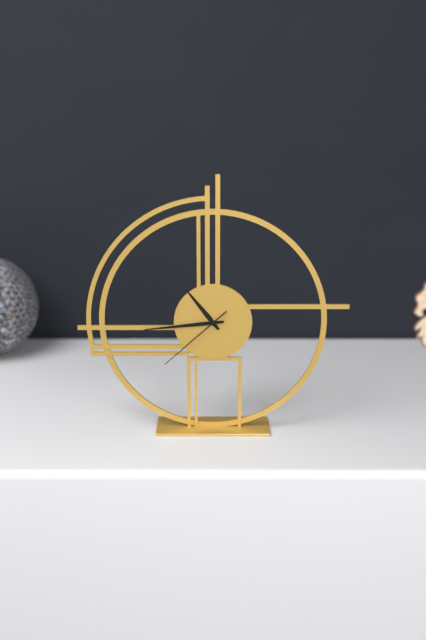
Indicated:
10.44.38
